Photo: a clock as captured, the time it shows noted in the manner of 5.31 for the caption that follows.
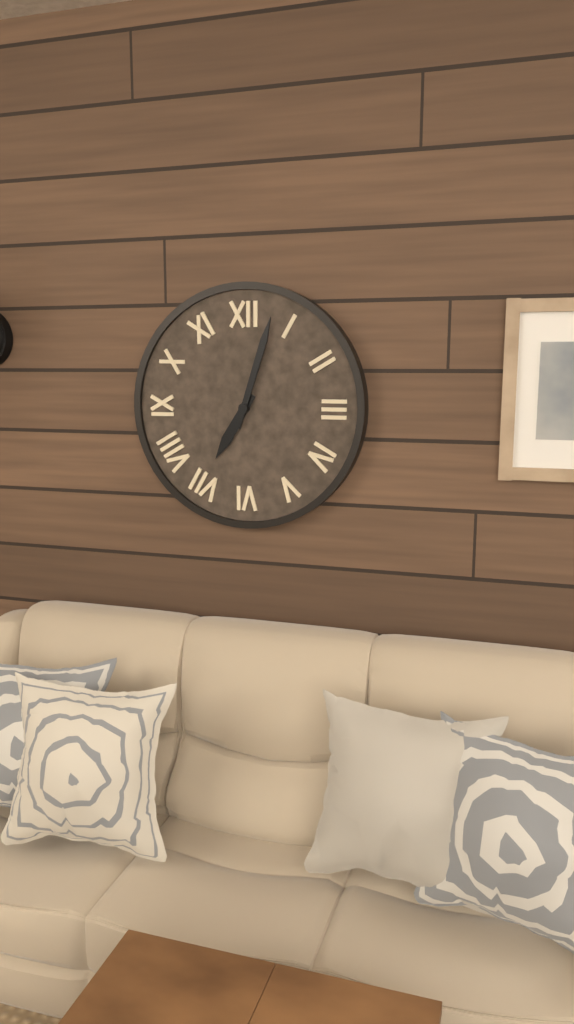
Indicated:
7.03
